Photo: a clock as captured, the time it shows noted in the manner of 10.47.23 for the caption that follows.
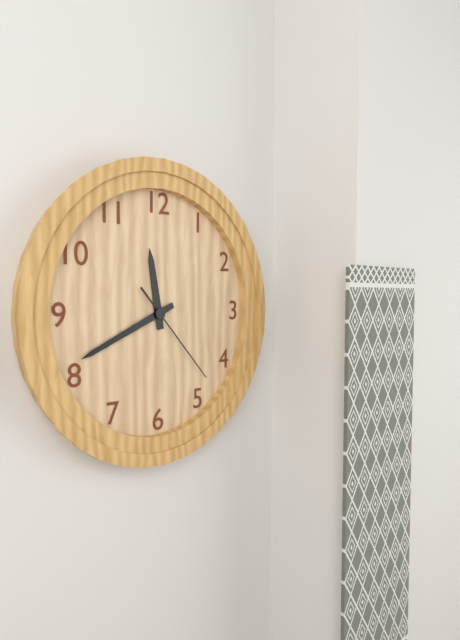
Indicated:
11.41.23
